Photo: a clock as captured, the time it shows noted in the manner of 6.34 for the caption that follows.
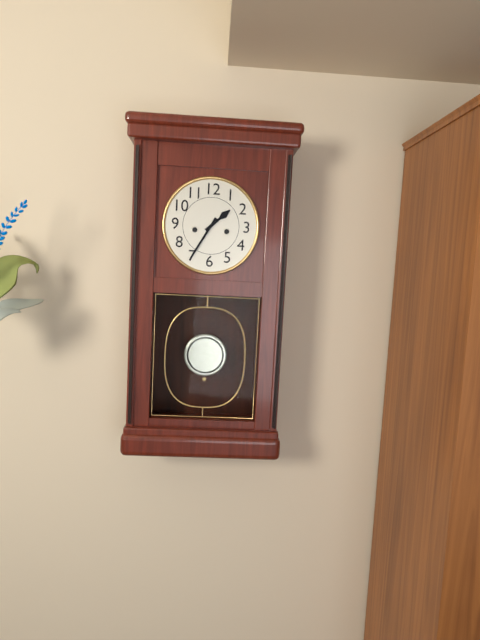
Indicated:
1.35
